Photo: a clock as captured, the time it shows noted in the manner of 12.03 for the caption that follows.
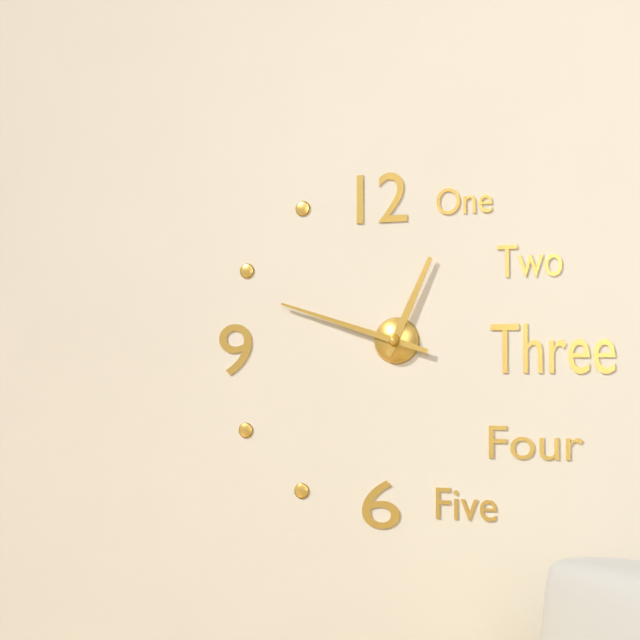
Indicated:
12.48
